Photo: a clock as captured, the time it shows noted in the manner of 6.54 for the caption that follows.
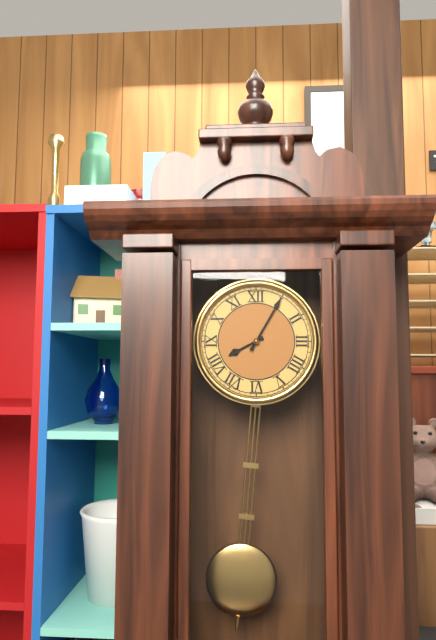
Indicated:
8.05
